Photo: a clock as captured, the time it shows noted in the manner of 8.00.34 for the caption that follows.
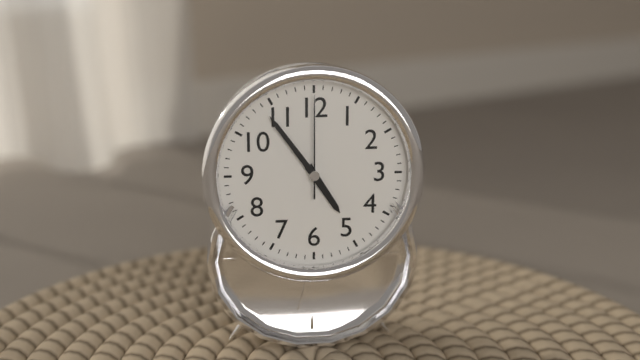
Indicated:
4.54.00
